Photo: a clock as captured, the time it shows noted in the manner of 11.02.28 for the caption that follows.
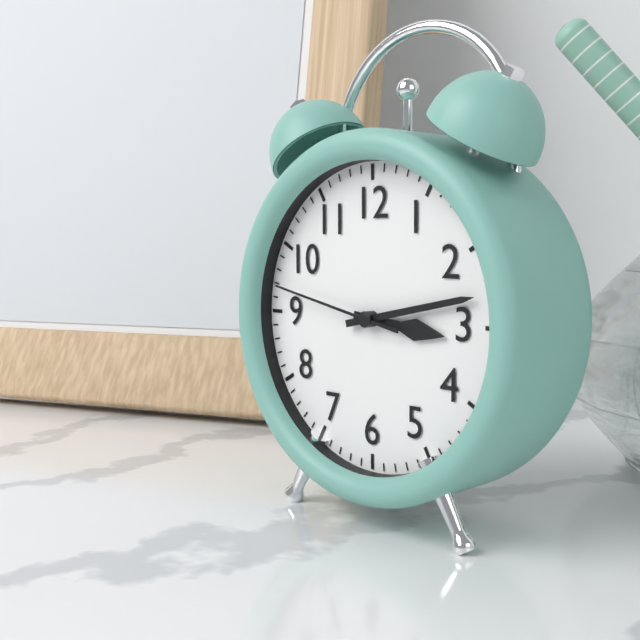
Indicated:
3.13.47
